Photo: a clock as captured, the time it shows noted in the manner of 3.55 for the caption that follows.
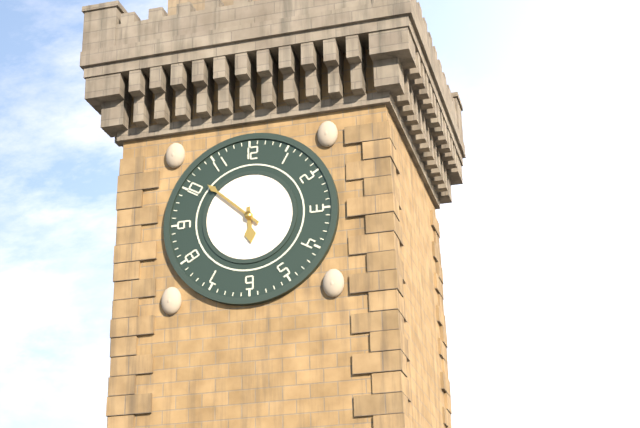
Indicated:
5.52
